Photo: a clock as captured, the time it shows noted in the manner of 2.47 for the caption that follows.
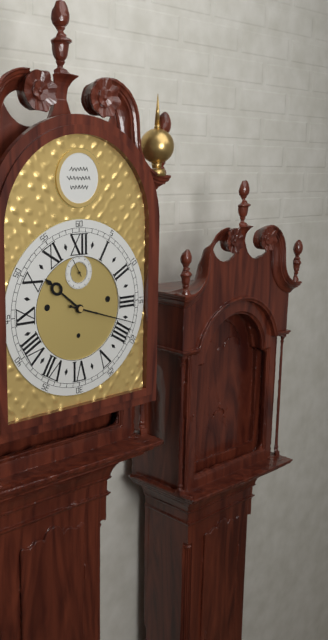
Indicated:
10.18
